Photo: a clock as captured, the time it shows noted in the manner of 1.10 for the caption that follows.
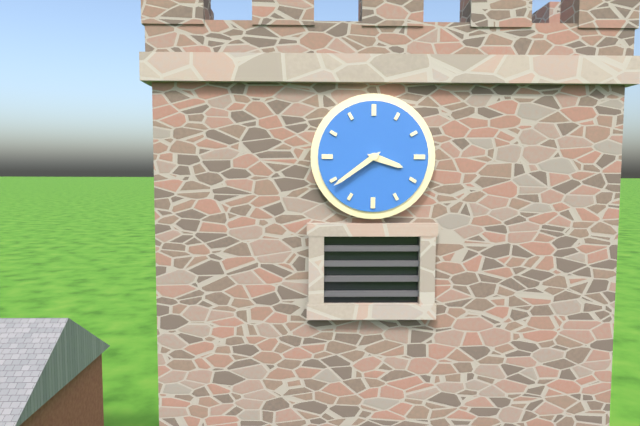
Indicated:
3.39
